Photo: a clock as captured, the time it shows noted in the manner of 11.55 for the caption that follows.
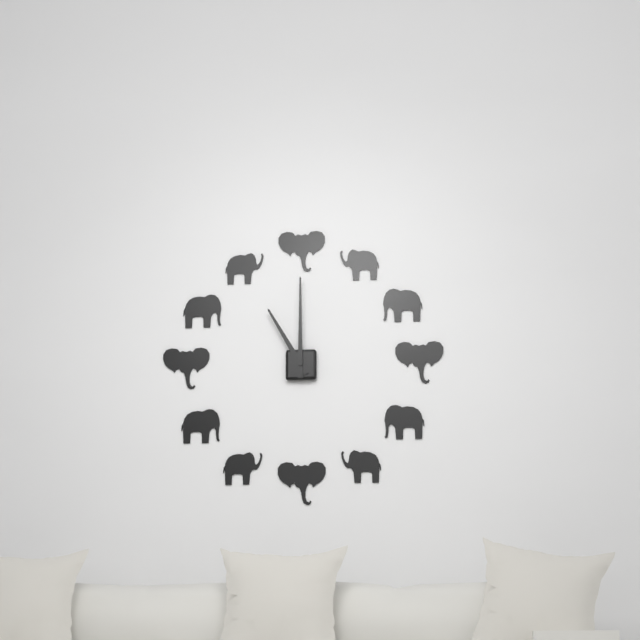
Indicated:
11.00
